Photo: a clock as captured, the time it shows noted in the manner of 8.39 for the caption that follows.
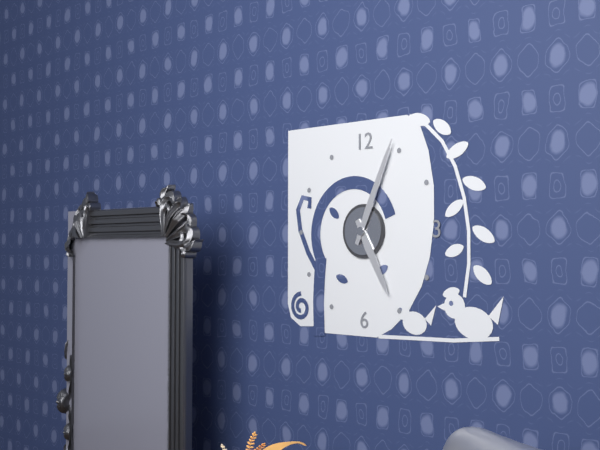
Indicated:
5.04
